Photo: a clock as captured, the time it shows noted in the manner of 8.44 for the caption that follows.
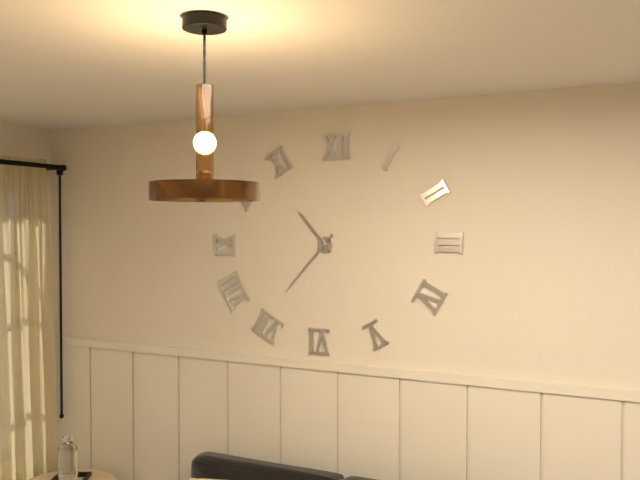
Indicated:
10.37
